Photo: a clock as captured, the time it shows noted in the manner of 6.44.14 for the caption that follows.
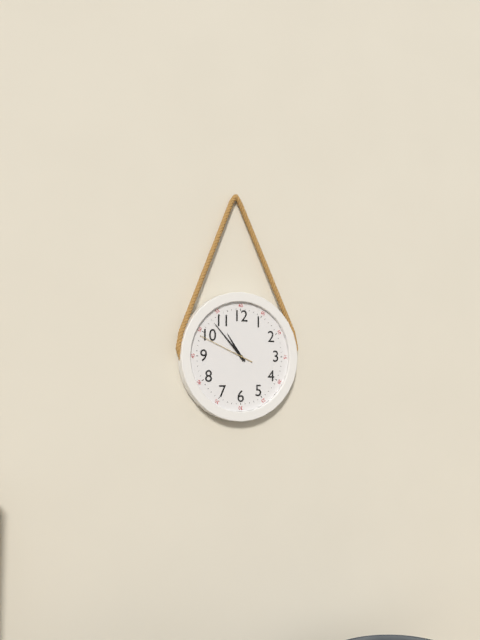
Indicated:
10.53.49
